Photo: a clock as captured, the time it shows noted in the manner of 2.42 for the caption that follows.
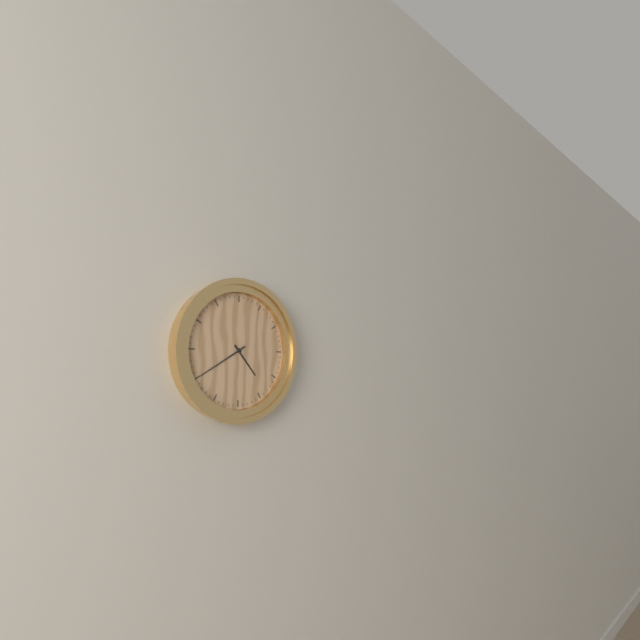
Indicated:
4.40
